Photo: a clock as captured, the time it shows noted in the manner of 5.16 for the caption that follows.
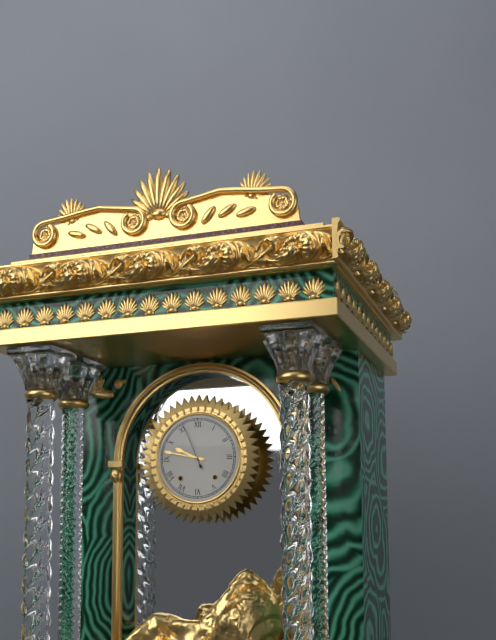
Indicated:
9.47
